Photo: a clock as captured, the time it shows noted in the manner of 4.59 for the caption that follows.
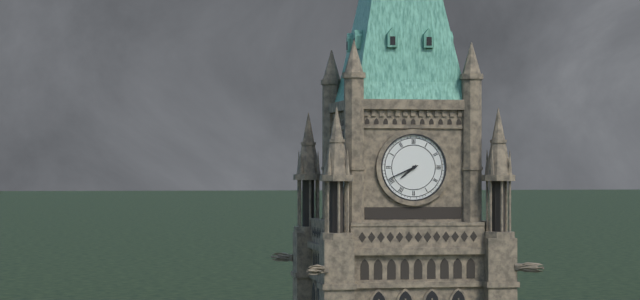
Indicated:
7.41
